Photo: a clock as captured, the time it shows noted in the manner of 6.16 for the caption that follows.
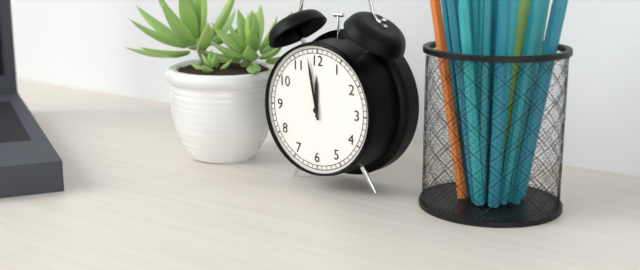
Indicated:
11.58
